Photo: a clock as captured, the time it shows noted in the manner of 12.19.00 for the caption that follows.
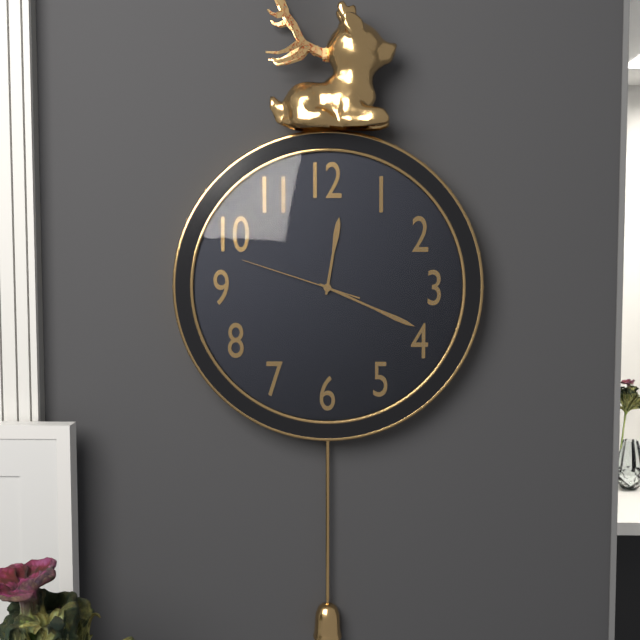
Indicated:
12.19.48
